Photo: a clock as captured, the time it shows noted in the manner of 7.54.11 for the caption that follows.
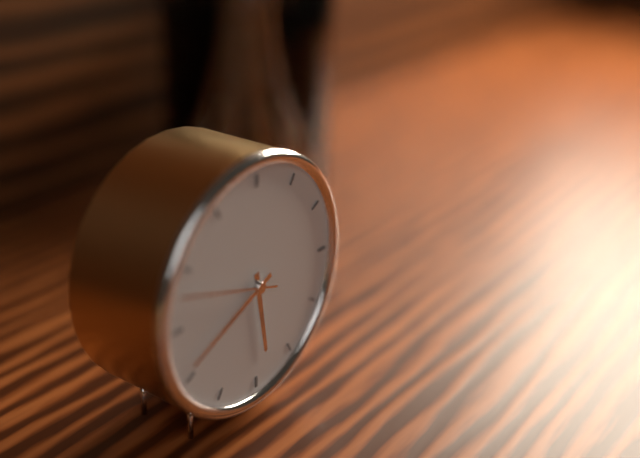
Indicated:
5.41.48
